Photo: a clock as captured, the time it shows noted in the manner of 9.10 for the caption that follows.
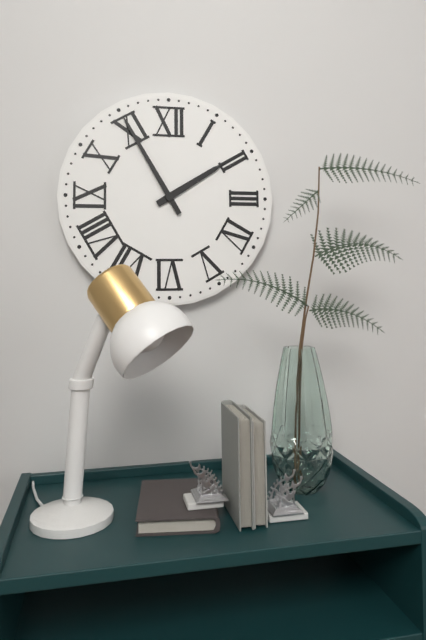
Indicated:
1.55
